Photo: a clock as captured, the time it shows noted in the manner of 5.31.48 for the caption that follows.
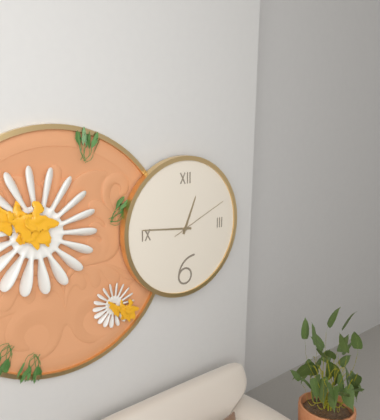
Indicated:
12.46.11
